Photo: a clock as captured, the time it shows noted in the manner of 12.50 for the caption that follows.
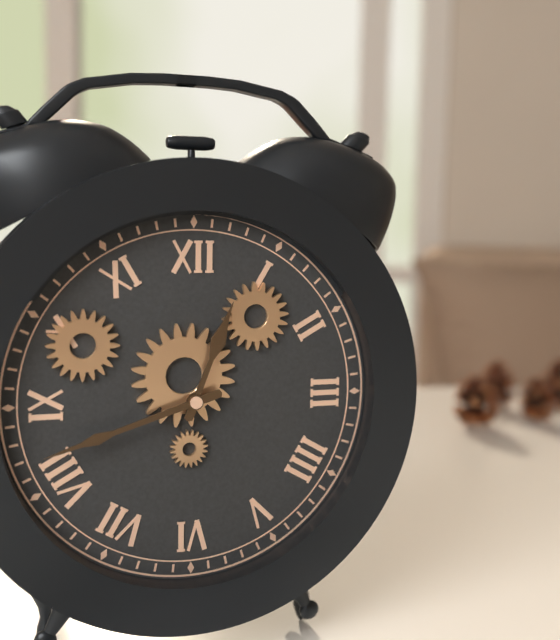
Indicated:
12.42
